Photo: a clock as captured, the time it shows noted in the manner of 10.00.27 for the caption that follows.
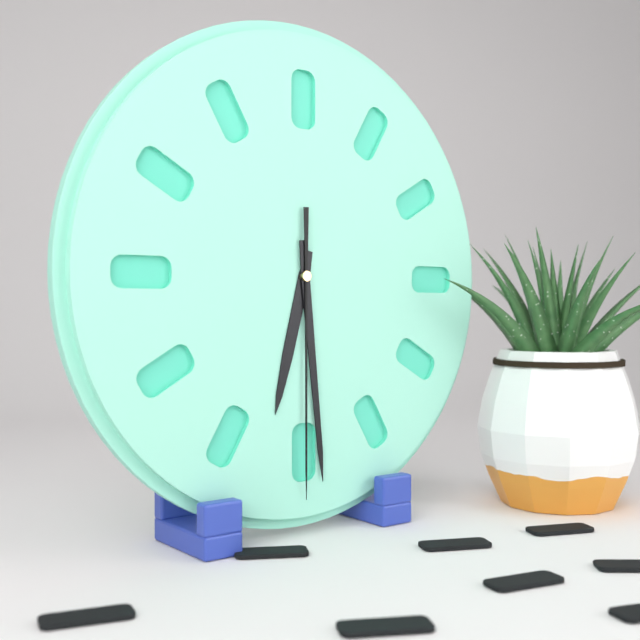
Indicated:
6.29.30
